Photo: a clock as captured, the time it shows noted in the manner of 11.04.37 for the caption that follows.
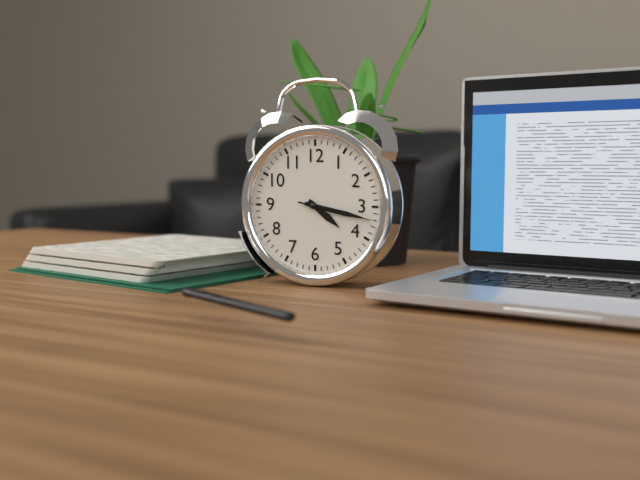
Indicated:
4.17.17
